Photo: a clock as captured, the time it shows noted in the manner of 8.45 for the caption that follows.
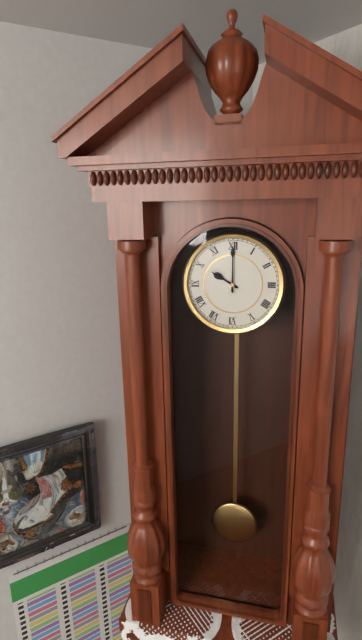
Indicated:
10.00
